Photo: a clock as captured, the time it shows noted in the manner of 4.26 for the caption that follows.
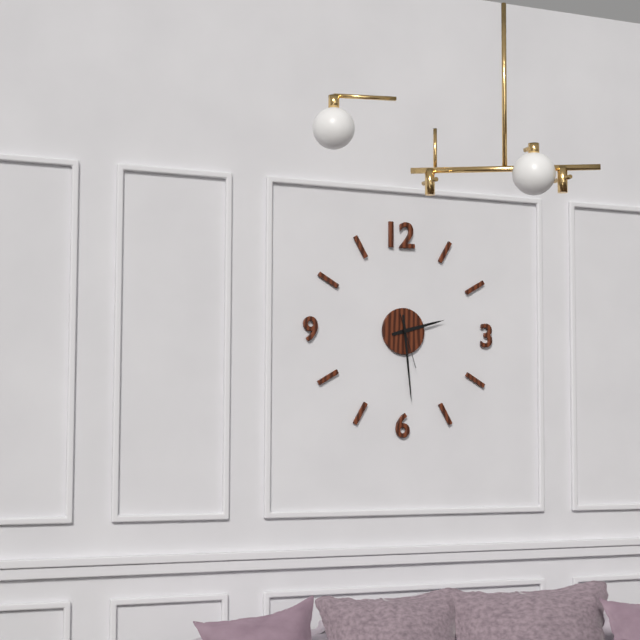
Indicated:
2.29
